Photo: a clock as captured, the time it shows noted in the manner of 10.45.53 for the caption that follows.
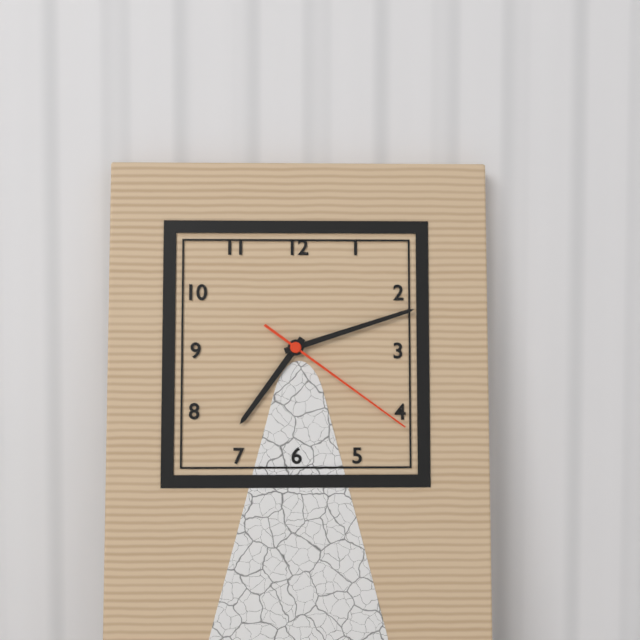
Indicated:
7.12.21
